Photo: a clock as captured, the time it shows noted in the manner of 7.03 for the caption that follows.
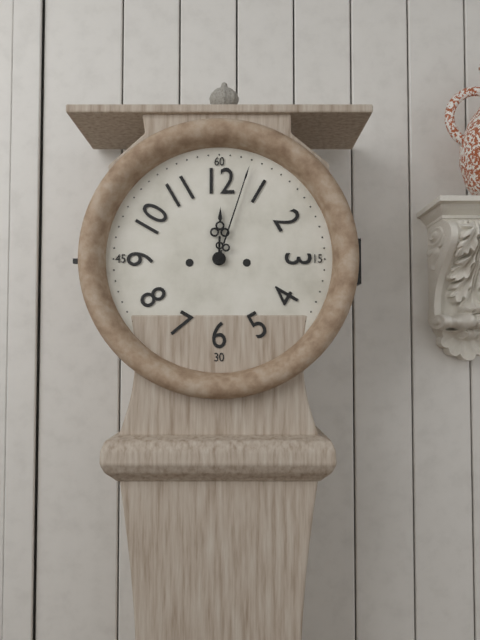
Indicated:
12.03
